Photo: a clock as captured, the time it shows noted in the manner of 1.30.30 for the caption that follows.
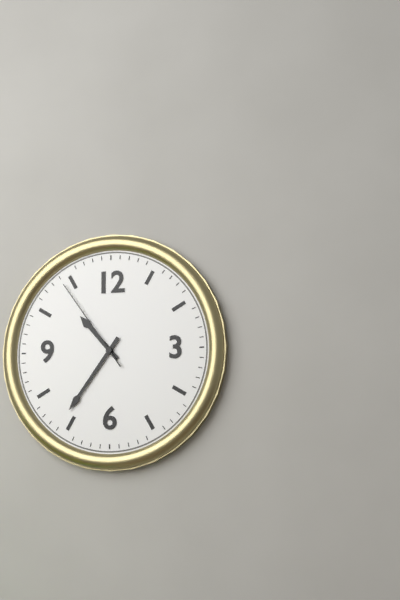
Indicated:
10.36.54
